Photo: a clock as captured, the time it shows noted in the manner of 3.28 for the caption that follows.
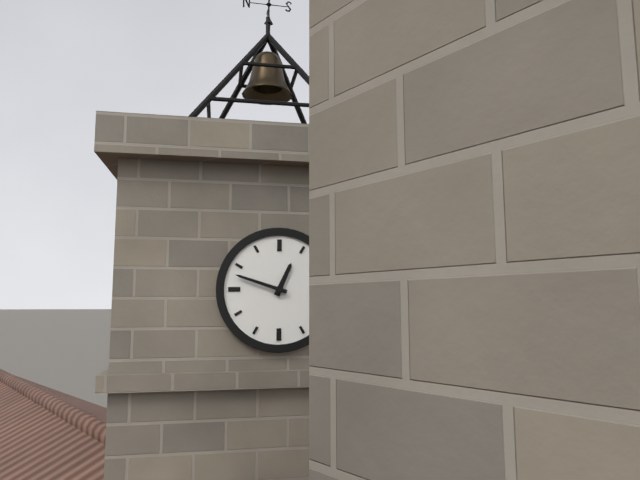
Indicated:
12.48
